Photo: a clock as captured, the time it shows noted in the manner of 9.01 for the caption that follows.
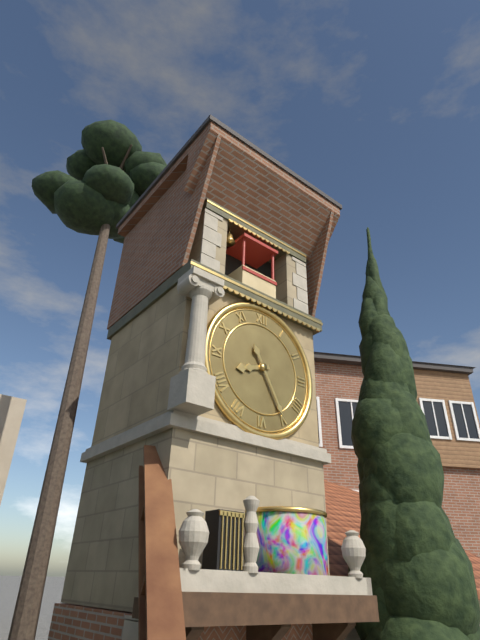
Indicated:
8.25
